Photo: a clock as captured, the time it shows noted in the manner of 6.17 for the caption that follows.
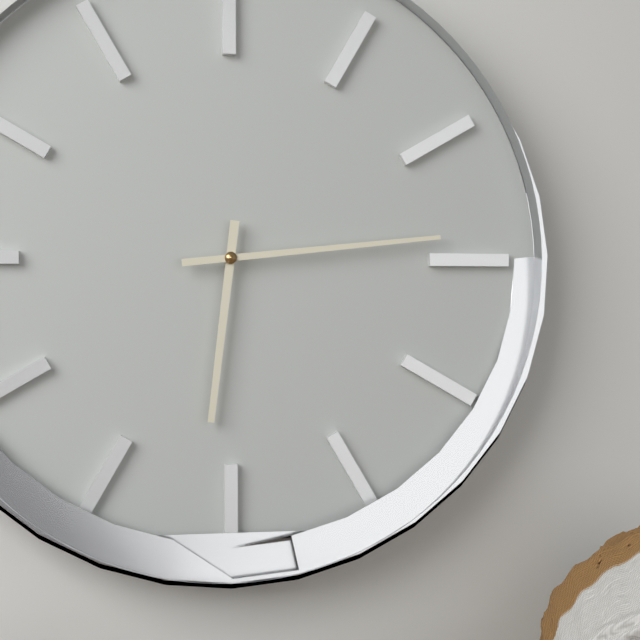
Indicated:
6.14
